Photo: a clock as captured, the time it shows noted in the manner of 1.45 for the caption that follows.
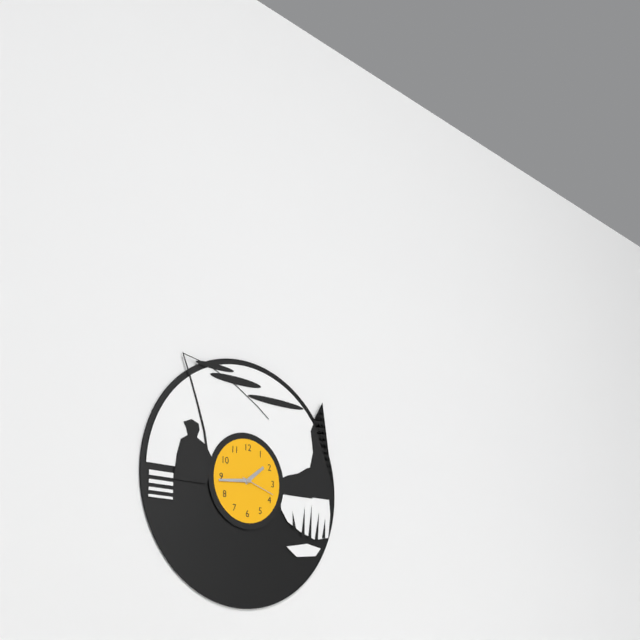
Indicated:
1.44
